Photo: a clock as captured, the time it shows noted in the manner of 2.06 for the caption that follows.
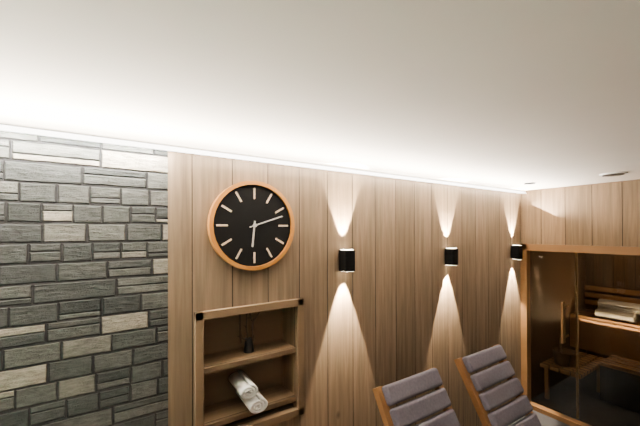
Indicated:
6.12
